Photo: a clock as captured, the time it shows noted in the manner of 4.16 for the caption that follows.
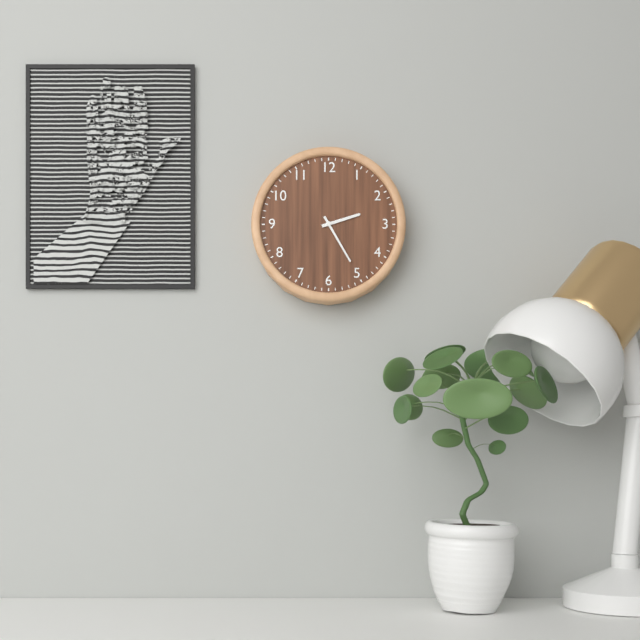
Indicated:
2.25
